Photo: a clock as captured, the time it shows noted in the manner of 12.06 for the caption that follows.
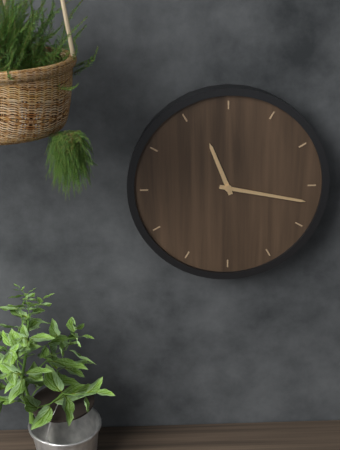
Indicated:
11.17
